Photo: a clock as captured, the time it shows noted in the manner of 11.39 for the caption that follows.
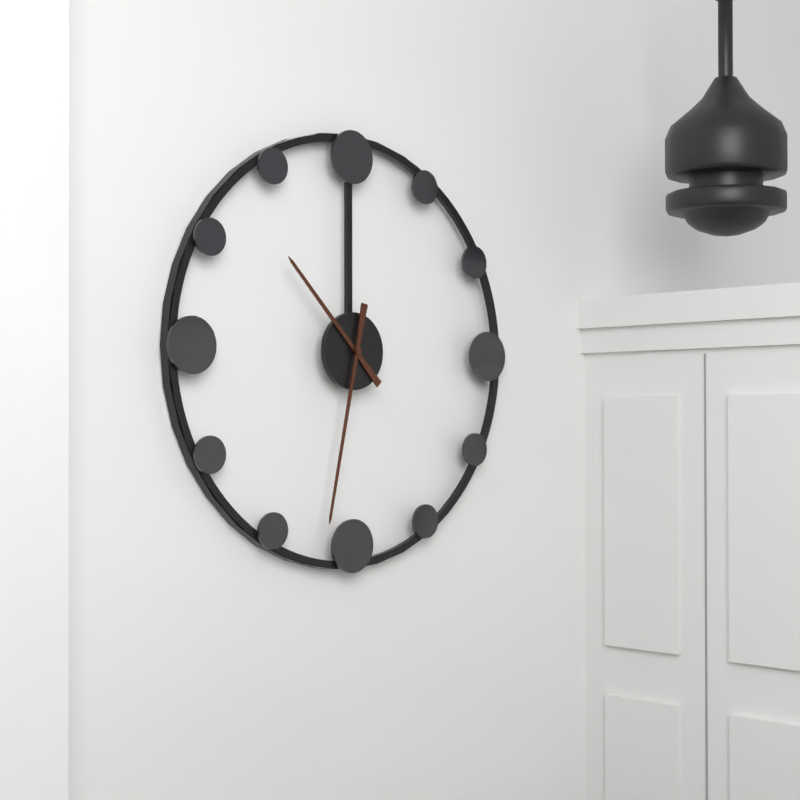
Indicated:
10.32
